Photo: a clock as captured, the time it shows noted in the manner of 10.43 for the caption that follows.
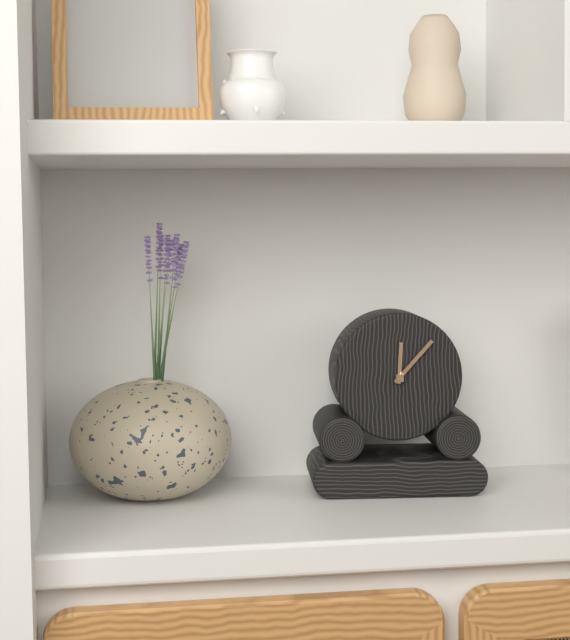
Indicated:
12.07
